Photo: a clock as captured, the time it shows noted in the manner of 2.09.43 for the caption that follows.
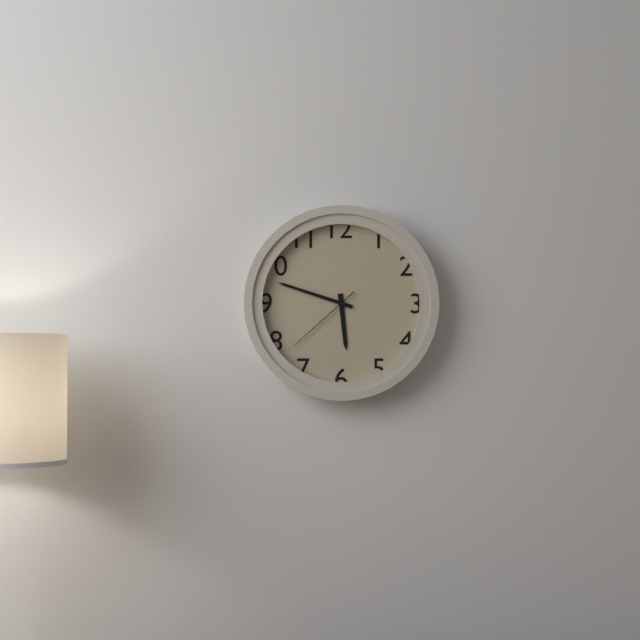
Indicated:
5.48.38
